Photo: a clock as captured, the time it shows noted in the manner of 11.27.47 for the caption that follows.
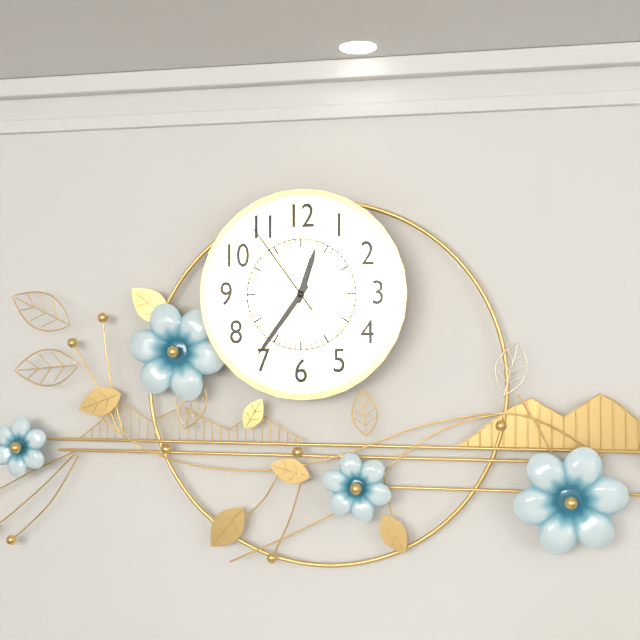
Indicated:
12.36.54
